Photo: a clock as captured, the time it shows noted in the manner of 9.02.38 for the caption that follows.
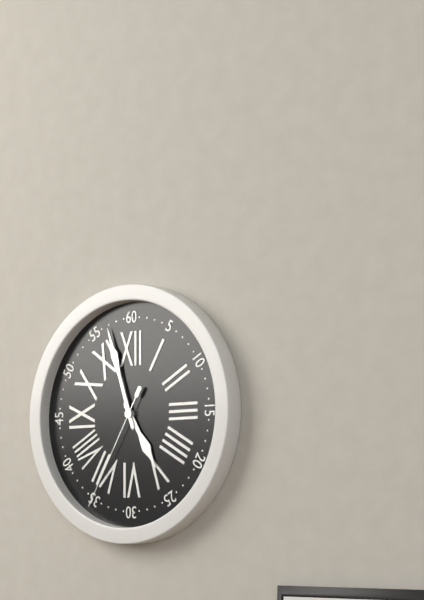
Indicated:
4.57.35
